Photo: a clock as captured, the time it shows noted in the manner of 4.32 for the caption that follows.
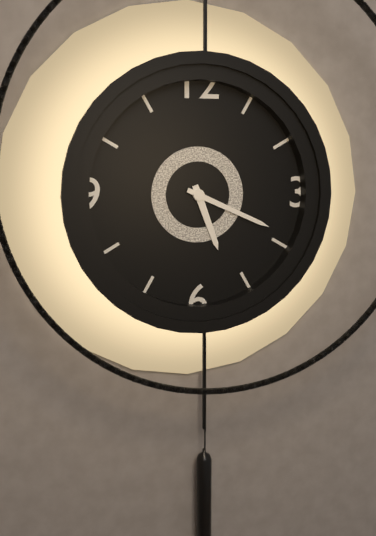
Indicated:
5.19
